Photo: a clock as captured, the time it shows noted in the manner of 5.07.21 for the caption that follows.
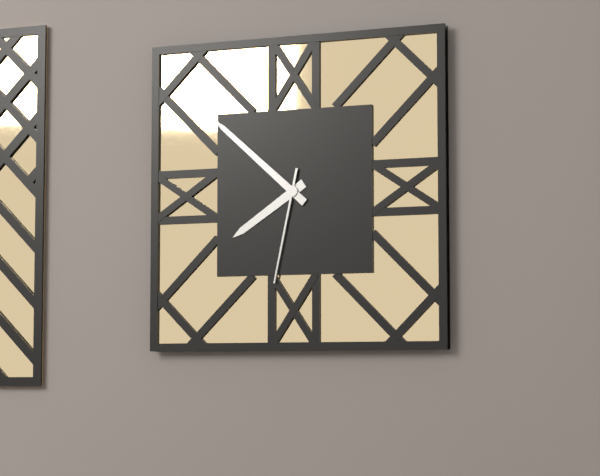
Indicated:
7.52.32
